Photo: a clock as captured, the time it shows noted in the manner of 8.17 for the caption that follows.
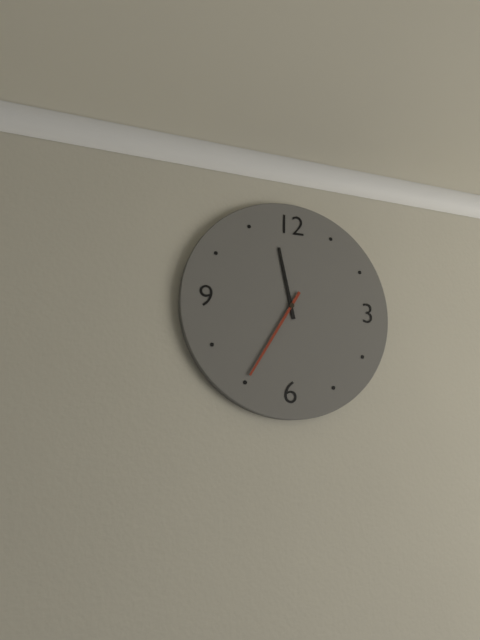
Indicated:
11.35
